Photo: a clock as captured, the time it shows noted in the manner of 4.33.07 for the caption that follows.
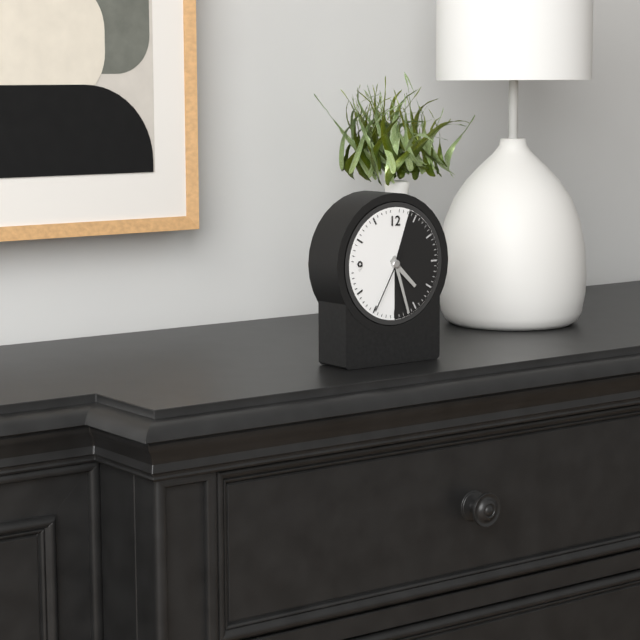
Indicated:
4.27.35
